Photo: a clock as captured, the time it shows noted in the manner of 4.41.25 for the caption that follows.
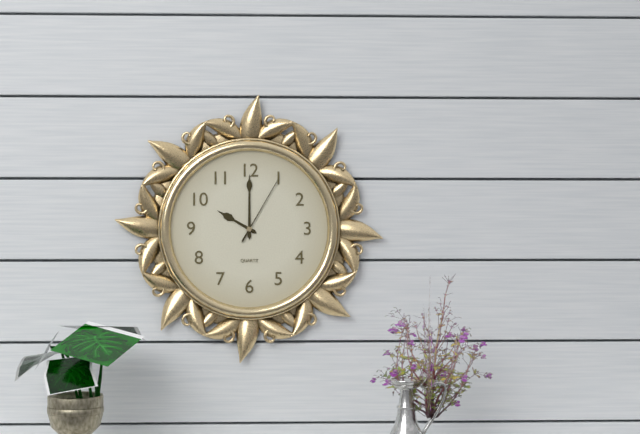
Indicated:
10.00.05
